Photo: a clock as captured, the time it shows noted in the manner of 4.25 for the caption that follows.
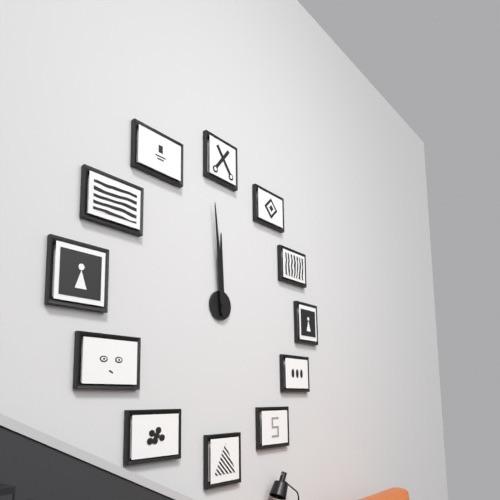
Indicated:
11.59
